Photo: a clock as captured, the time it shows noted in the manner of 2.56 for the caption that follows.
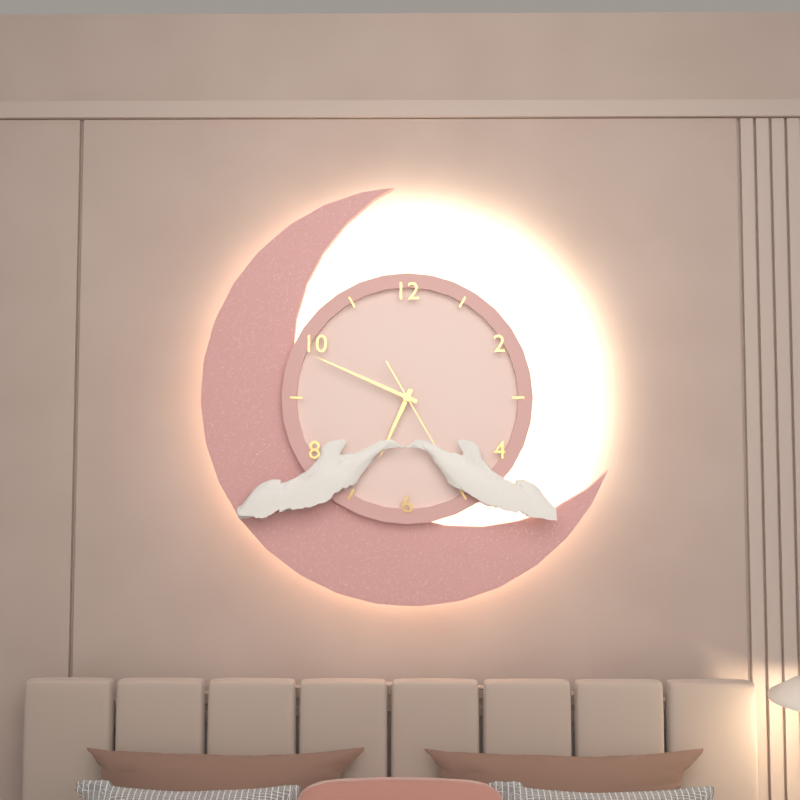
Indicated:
6.49
